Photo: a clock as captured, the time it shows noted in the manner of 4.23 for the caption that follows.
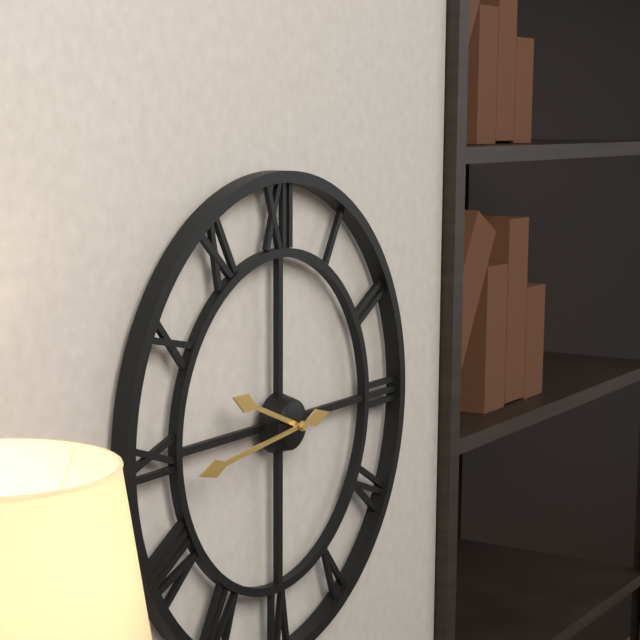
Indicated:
9.44
